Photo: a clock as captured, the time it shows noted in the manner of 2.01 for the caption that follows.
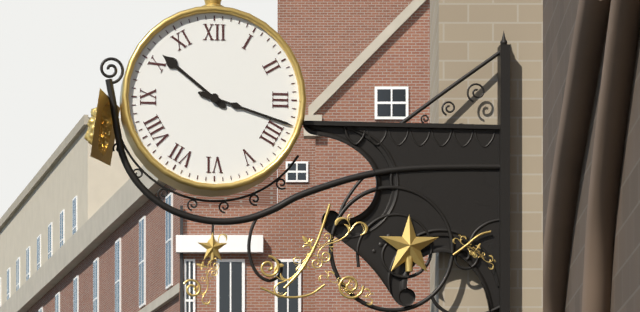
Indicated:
10.18
